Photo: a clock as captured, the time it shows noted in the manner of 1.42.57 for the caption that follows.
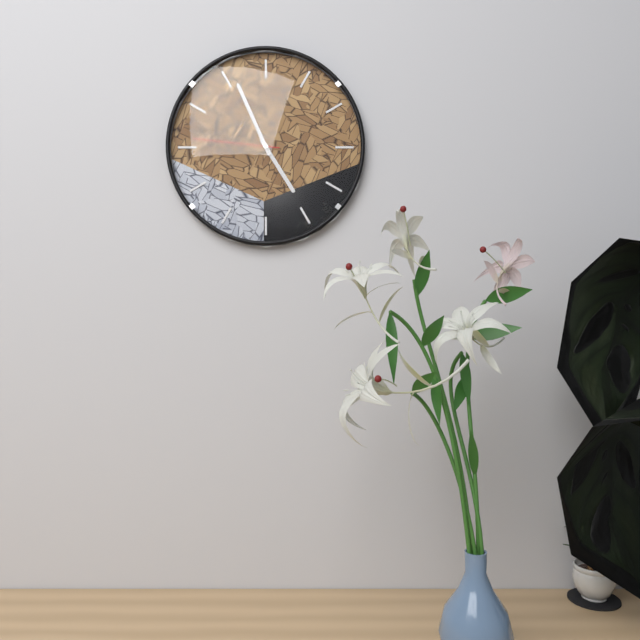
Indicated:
4.56.46
